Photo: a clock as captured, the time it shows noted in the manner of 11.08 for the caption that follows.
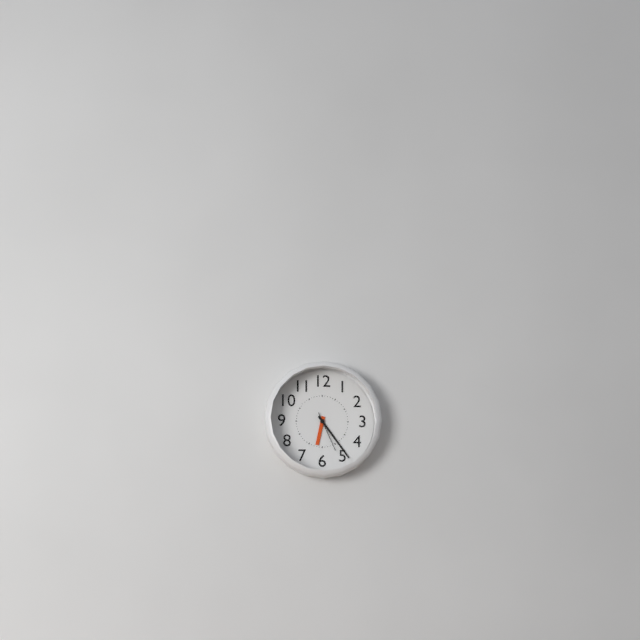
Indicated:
6.24
